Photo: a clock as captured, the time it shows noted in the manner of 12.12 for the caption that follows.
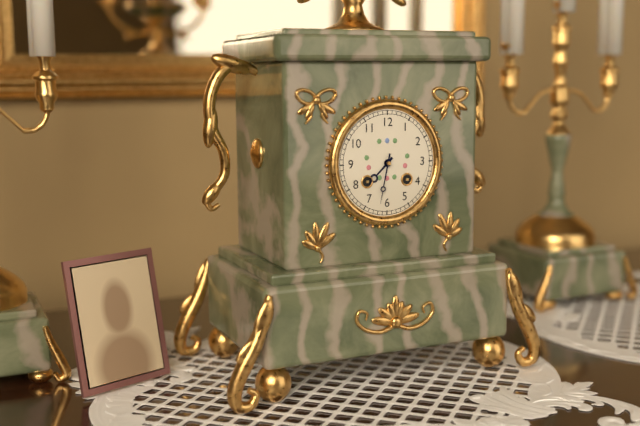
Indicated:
7.32
